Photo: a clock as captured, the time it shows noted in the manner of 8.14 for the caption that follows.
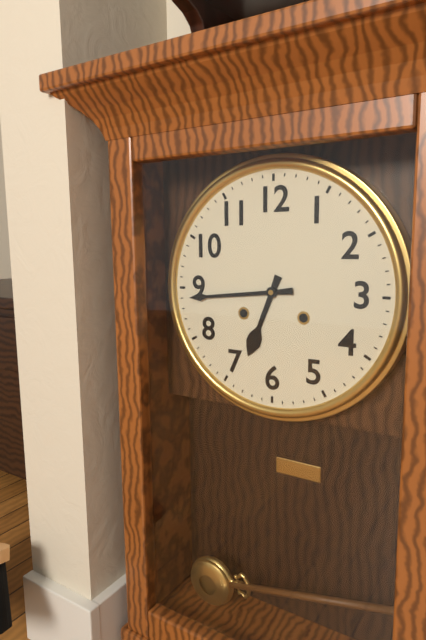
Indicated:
6.44
